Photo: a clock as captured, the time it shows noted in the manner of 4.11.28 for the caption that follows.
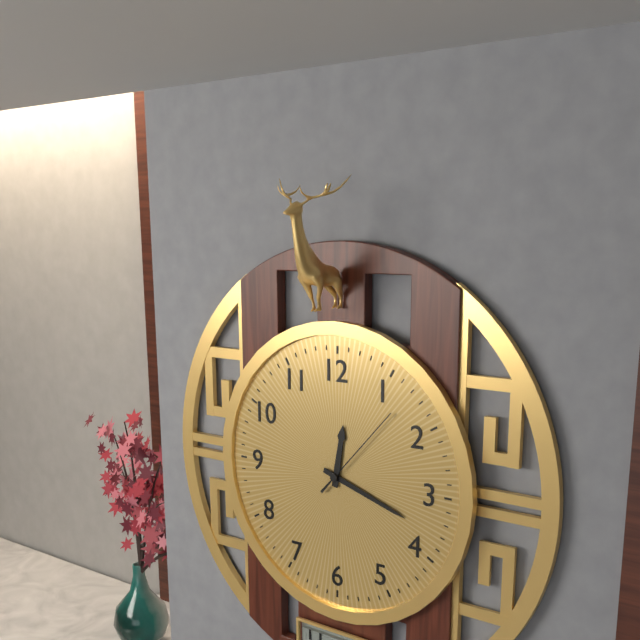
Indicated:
12.18.07
